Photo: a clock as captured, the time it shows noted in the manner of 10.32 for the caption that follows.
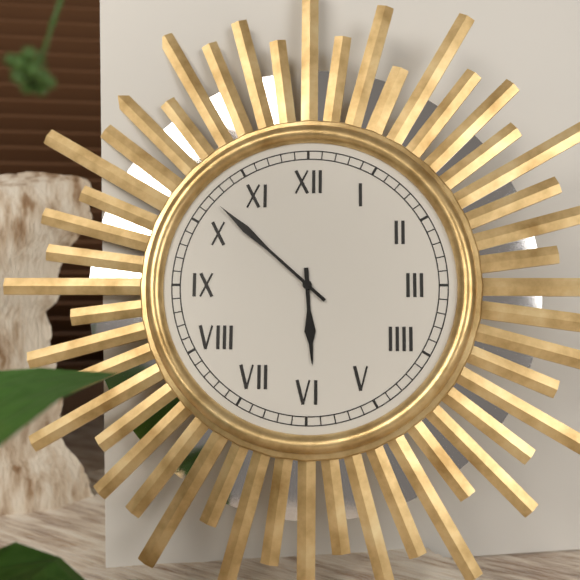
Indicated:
5.52
